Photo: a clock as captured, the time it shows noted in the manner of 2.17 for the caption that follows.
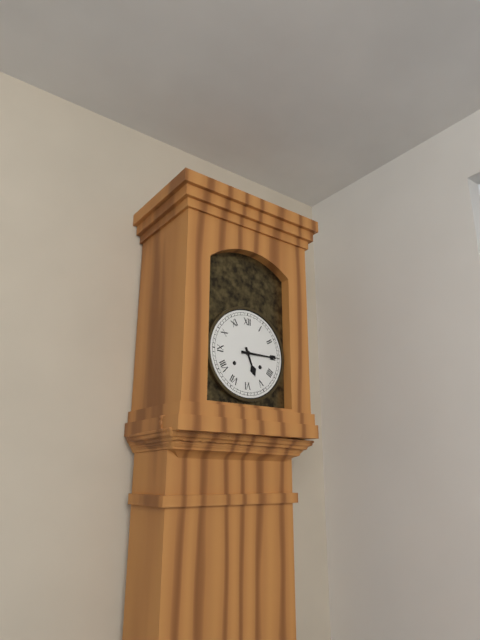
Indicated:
5.15
